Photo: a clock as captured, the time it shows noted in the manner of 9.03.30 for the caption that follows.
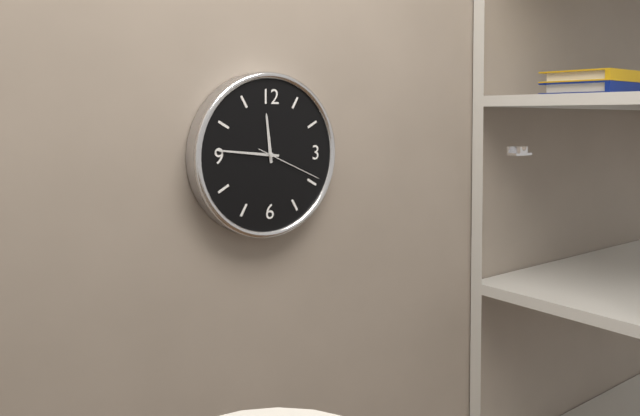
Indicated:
11.46.19
